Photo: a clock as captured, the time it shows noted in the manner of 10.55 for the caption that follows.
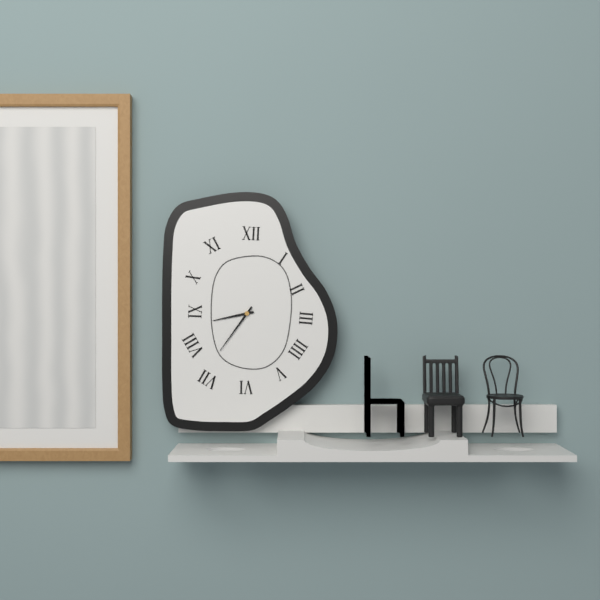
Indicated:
8.36
